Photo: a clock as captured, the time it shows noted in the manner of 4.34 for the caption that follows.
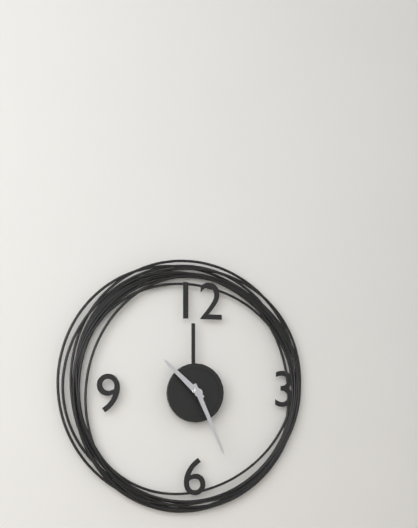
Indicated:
10.26
